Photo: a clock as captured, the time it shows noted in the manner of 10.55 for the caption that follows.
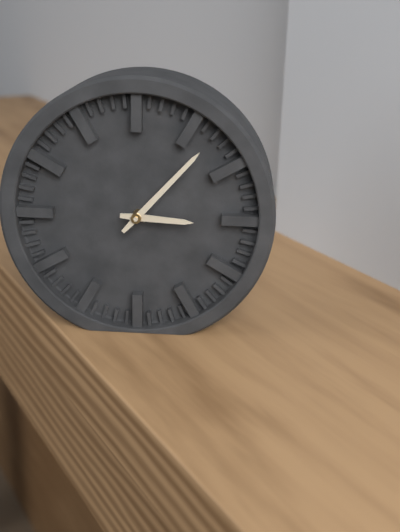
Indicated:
3.07
